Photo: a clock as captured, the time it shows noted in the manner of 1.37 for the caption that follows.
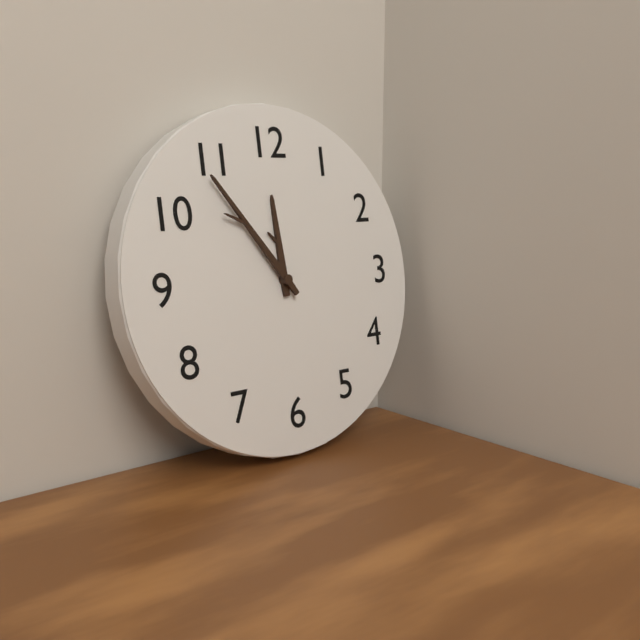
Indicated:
11.54
